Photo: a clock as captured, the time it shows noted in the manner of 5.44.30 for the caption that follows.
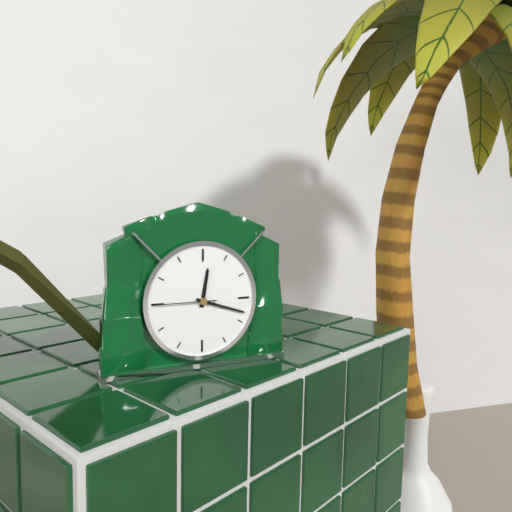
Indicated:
12.18.45
